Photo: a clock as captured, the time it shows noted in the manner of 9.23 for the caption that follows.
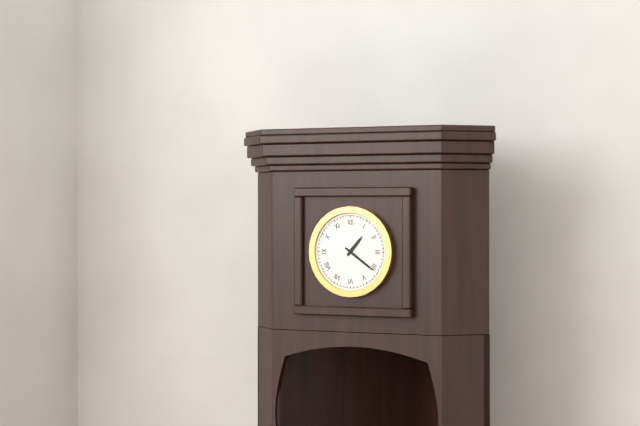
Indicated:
1.21
